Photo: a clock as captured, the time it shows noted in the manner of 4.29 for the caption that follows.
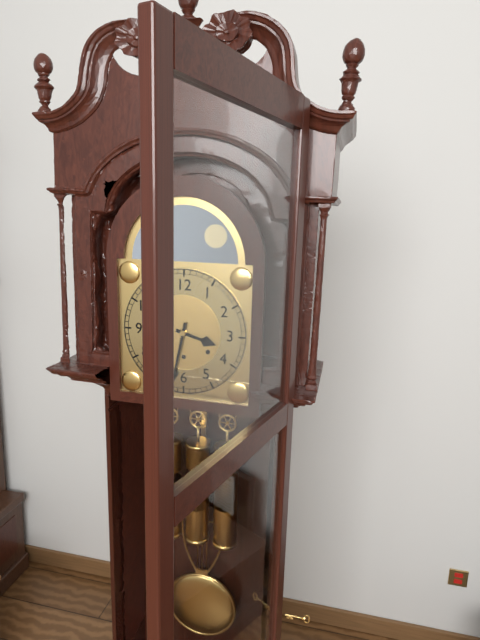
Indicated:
3.32
